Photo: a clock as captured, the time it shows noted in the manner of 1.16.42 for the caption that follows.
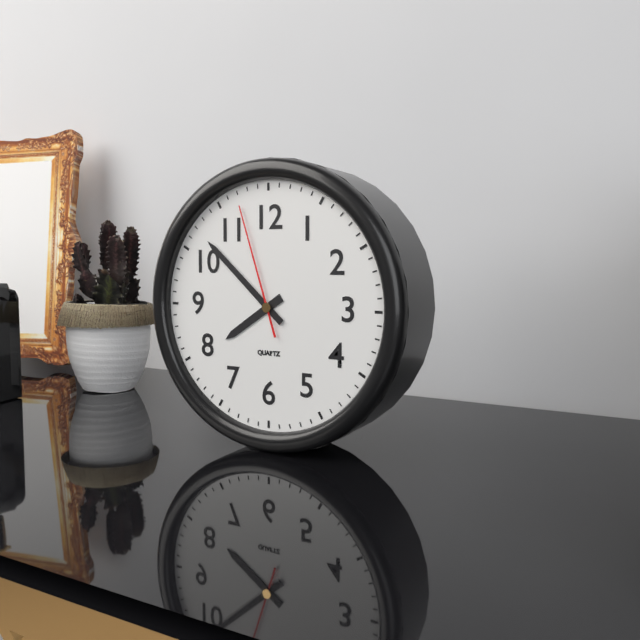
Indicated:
7.52.57
